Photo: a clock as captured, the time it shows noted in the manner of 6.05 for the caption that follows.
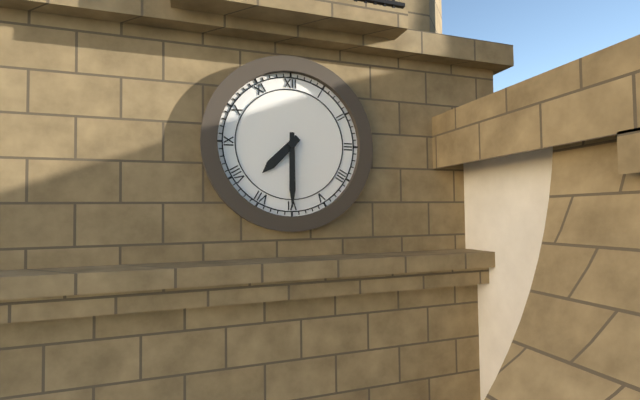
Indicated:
7.30
